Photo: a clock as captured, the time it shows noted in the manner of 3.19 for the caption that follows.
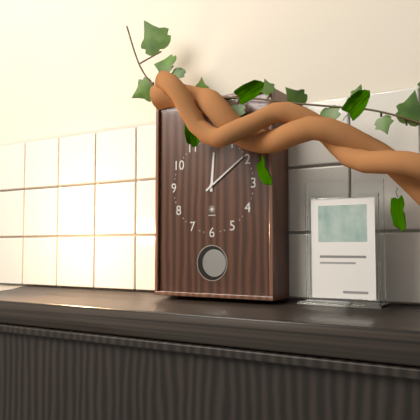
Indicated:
12.09
